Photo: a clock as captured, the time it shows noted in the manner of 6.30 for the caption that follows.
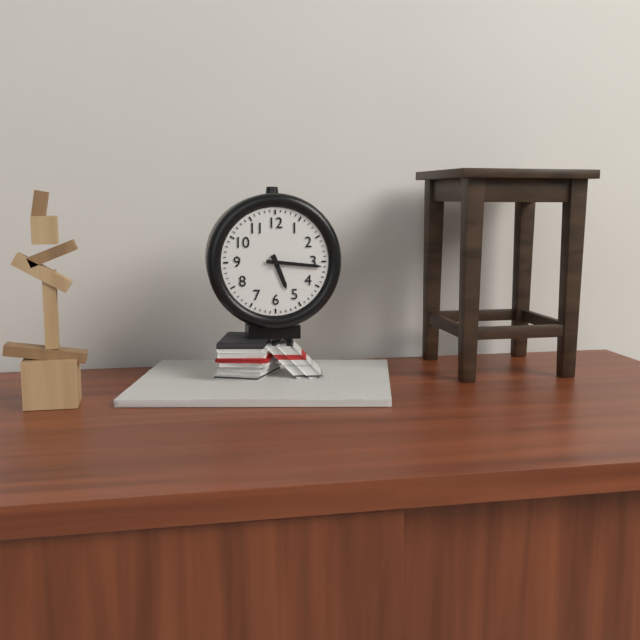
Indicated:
5.16
